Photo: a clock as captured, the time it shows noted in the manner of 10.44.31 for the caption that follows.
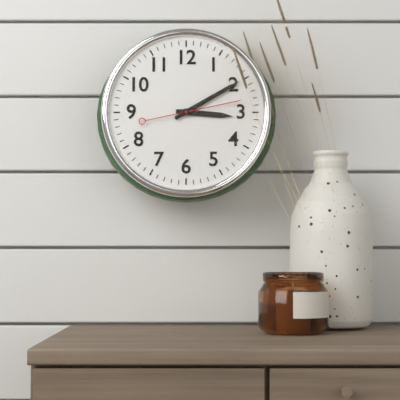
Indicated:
3.10.13
